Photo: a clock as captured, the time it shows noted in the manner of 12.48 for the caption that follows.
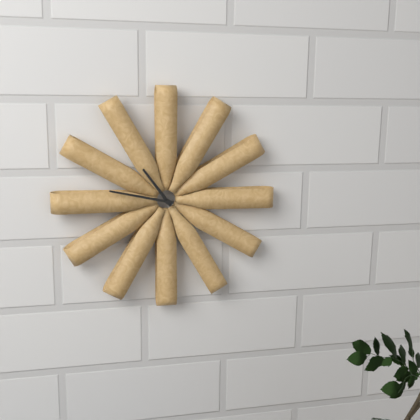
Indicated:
10.47
